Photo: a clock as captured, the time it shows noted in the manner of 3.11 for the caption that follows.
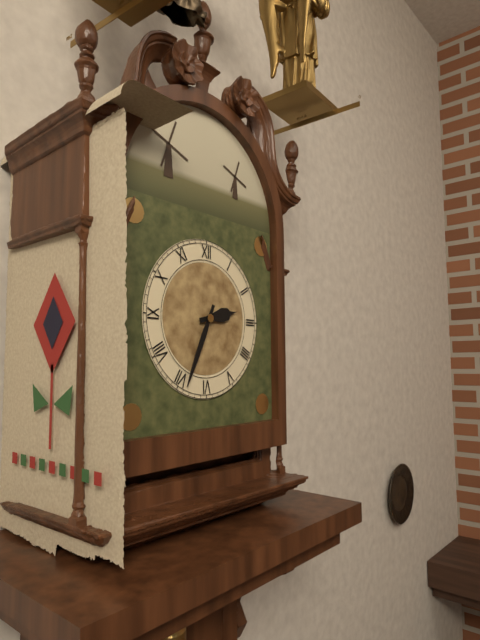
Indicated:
2.34
